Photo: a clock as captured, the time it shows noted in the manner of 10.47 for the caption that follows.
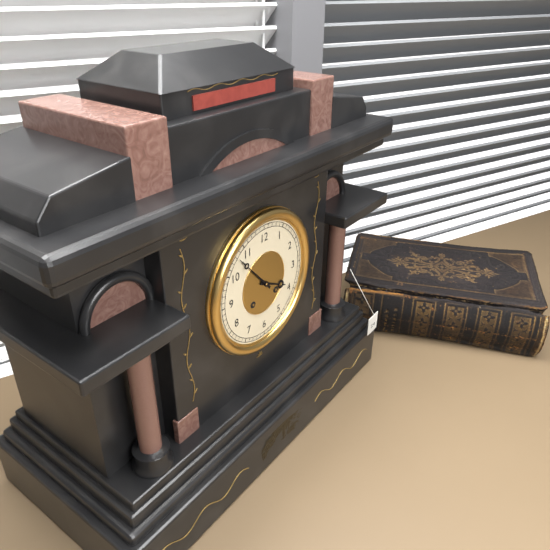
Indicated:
3.53
